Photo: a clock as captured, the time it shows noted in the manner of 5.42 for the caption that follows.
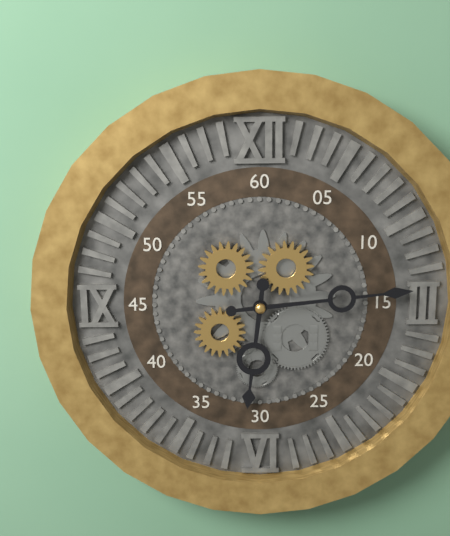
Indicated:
6.14
